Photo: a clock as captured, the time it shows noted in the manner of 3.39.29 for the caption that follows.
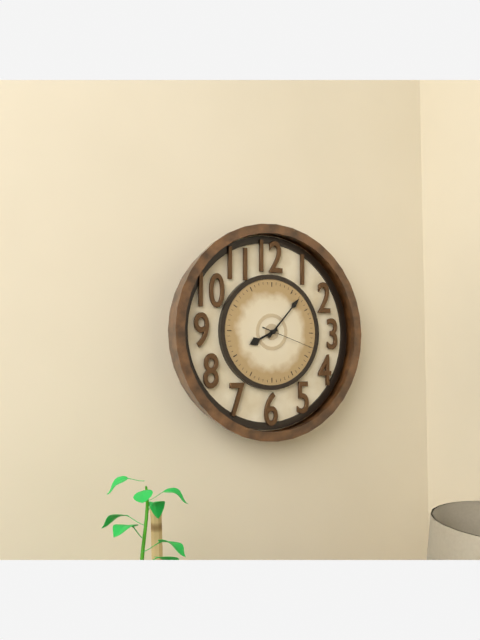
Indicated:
8.07.18
